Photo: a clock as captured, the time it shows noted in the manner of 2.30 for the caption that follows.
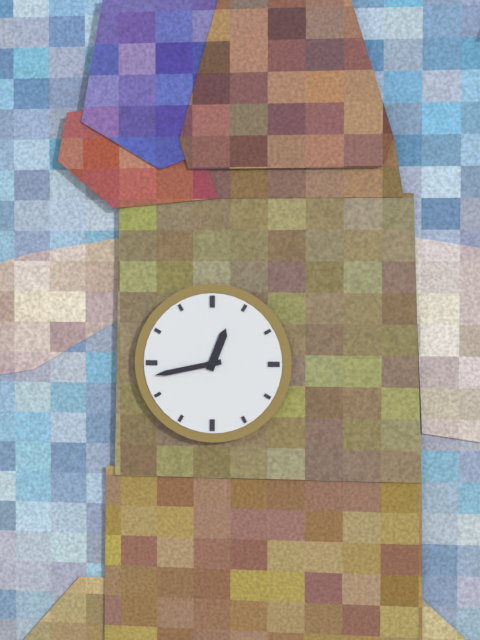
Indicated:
12.43
